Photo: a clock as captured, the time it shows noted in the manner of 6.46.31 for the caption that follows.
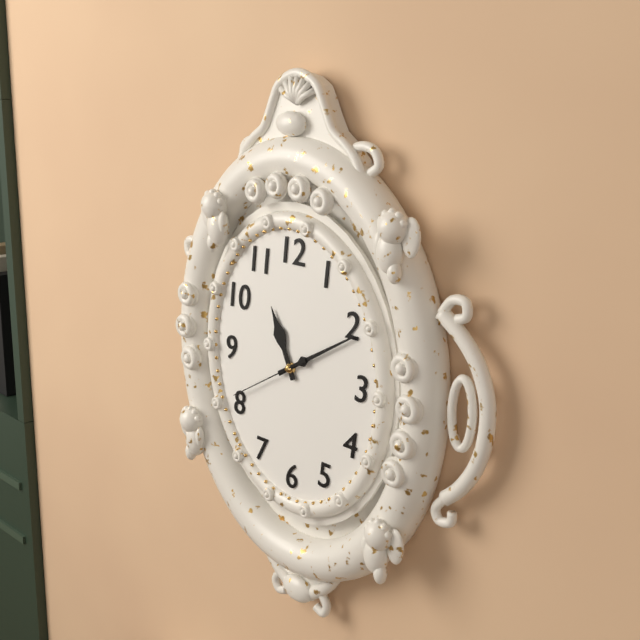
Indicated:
11.10.40
